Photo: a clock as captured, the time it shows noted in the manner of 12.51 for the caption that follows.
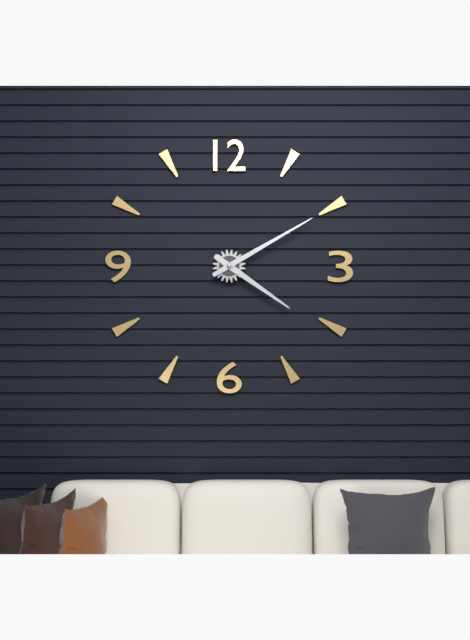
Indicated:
4.10
